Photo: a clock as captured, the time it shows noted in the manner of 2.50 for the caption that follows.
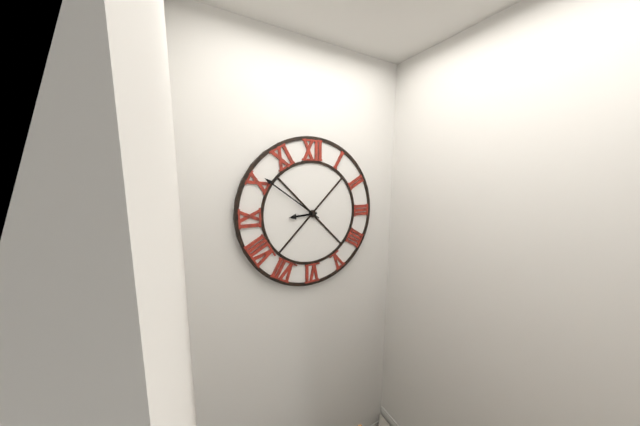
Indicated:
8.51
